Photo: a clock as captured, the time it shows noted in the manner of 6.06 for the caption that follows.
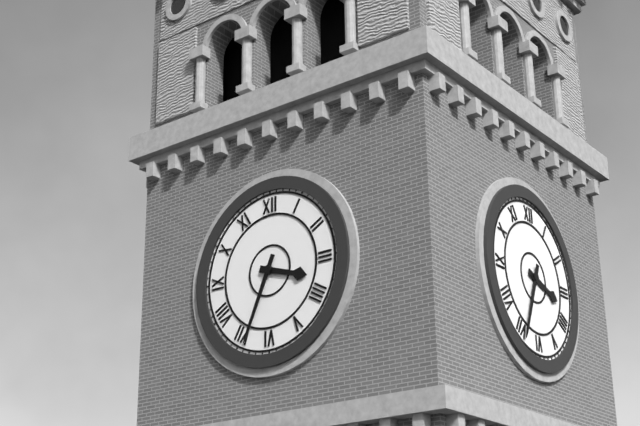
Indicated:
3.34
